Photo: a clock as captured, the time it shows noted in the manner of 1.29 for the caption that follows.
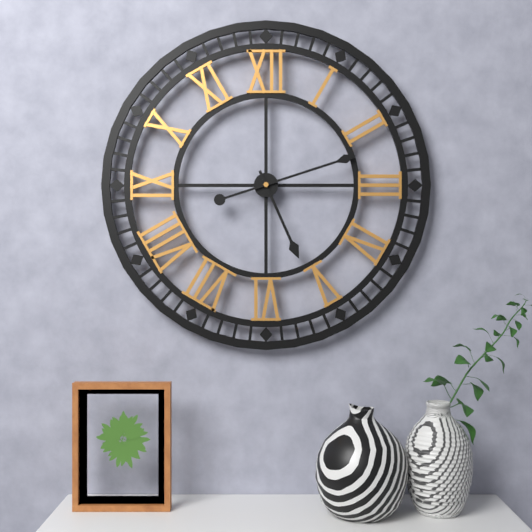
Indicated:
5.12
